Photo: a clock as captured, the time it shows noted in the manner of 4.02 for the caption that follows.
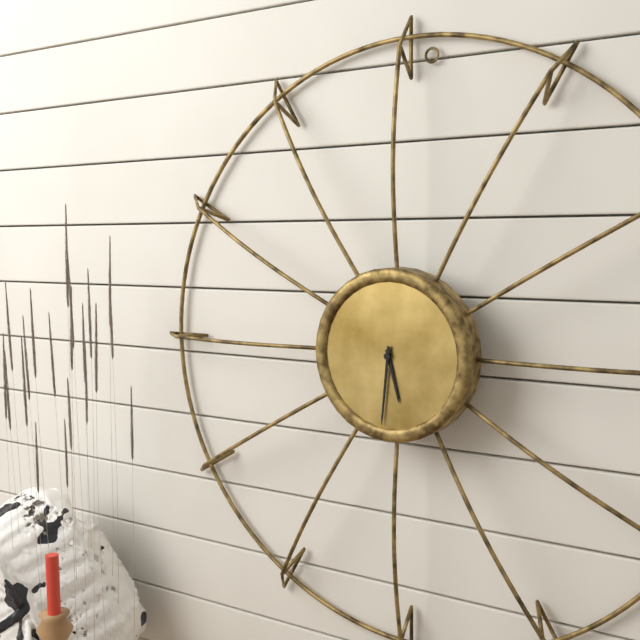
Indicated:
5.31
